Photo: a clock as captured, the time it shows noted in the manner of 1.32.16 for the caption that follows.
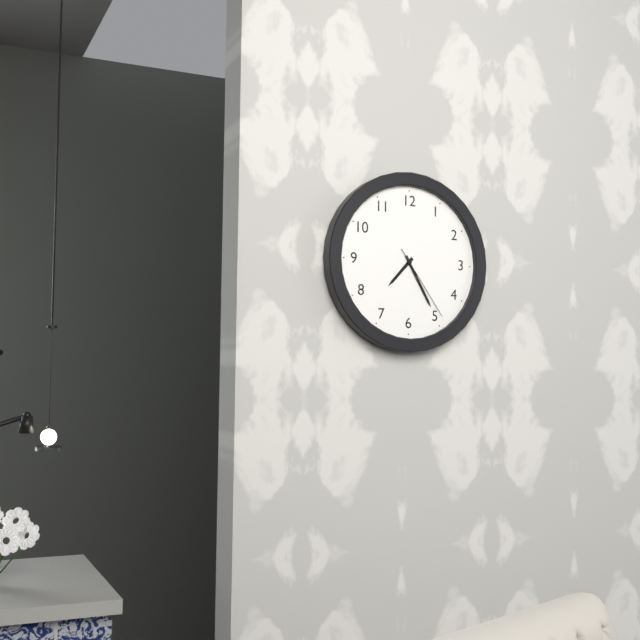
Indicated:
7.25.24
